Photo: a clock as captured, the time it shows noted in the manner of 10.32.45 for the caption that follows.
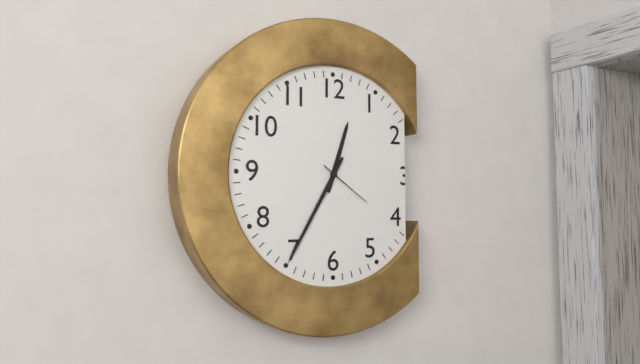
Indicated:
12.35.21
